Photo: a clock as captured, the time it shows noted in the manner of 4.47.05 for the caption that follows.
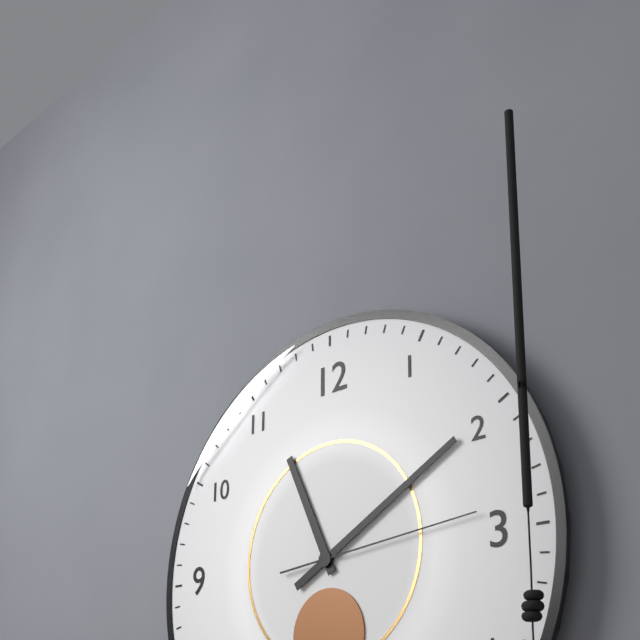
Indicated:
11.10.14
